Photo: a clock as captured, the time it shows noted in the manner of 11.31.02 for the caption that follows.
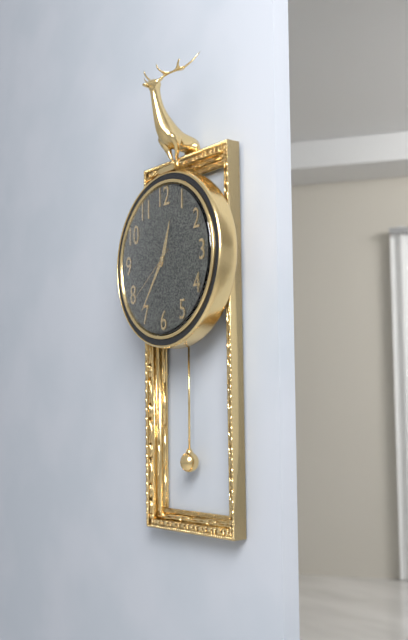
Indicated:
12.36.39
